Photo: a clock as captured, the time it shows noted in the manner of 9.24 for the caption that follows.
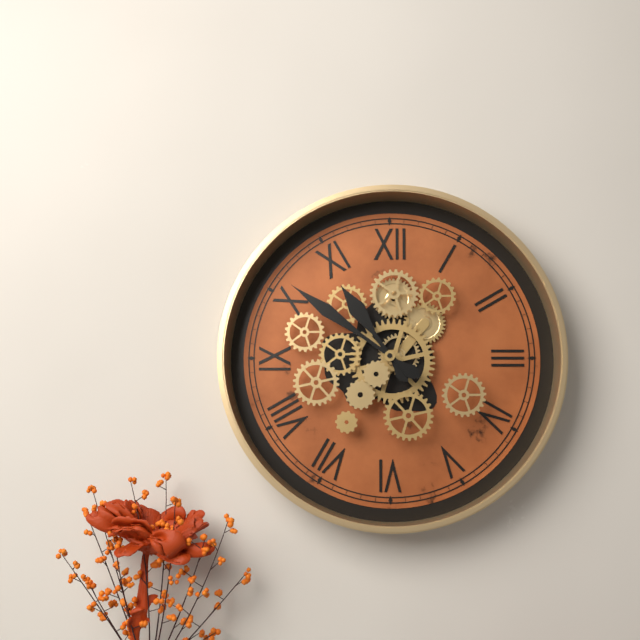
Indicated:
10.51
